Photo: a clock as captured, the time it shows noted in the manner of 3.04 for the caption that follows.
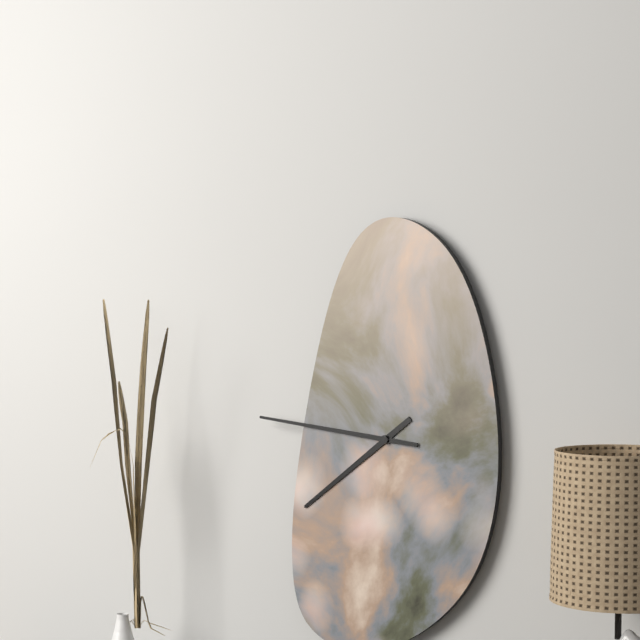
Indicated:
7.46
